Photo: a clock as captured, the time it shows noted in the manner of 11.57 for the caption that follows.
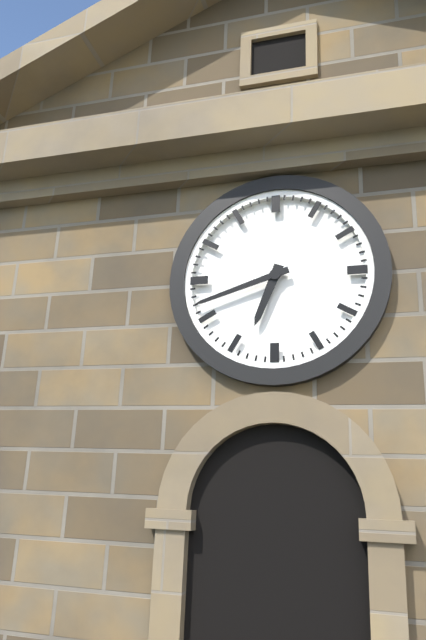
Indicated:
6.42
